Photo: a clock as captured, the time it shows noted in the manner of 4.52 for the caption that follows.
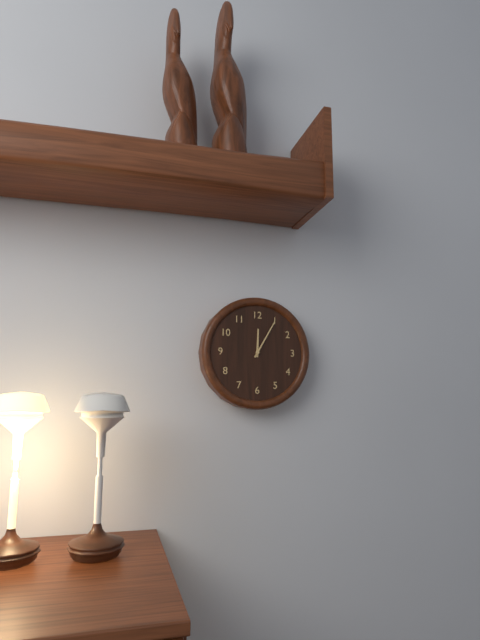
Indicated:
12.05
